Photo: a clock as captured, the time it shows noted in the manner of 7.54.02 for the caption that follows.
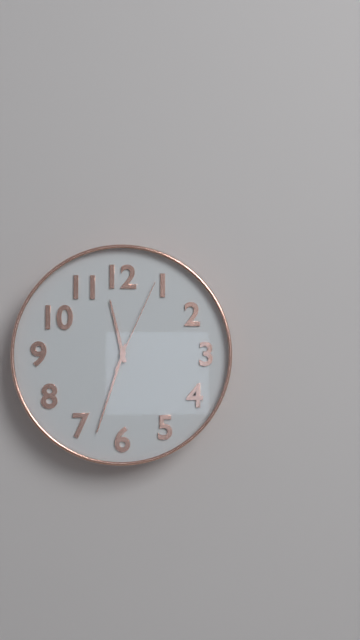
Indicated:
11.33.04
